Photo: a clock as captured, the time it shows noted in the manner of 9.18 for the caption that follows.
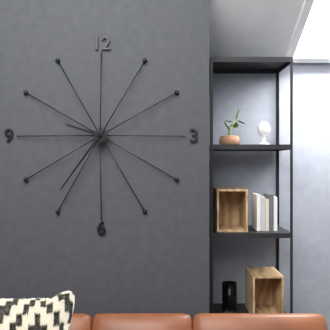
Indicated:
9.36
